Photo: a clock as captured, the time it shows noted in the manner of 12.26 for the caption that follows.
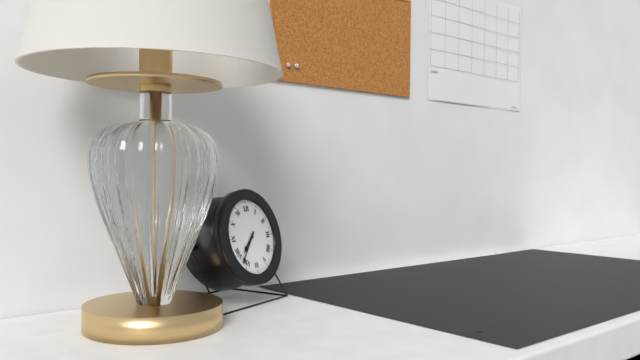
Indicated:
7.37
